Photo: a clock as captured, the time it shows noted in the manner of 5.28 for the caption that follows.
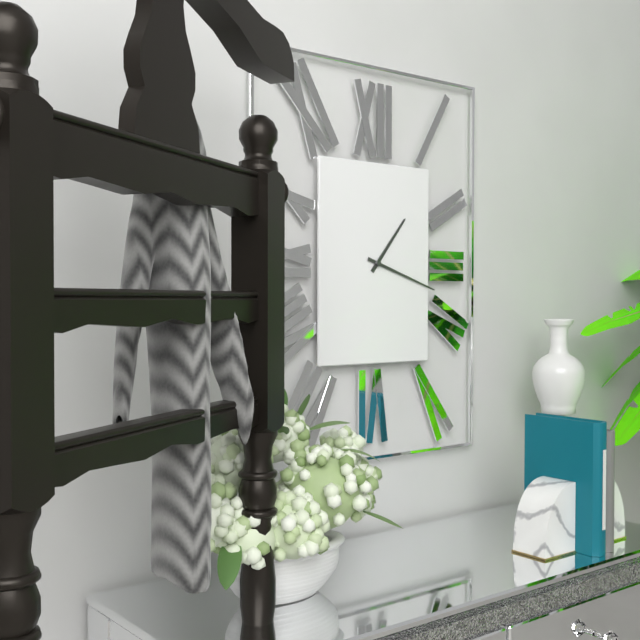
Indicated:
1.18
